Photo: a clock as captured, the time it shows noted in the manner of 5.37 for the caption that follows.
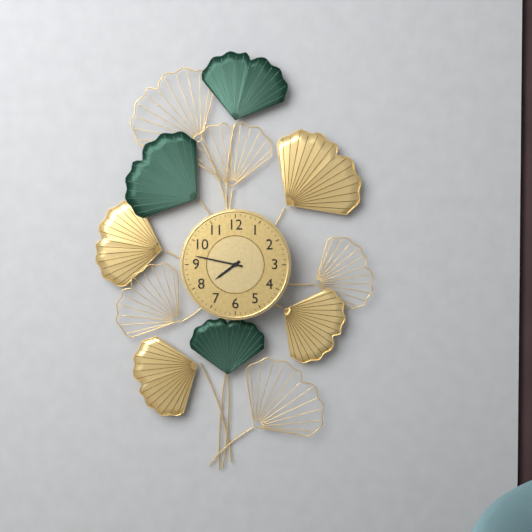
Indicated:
7.47
